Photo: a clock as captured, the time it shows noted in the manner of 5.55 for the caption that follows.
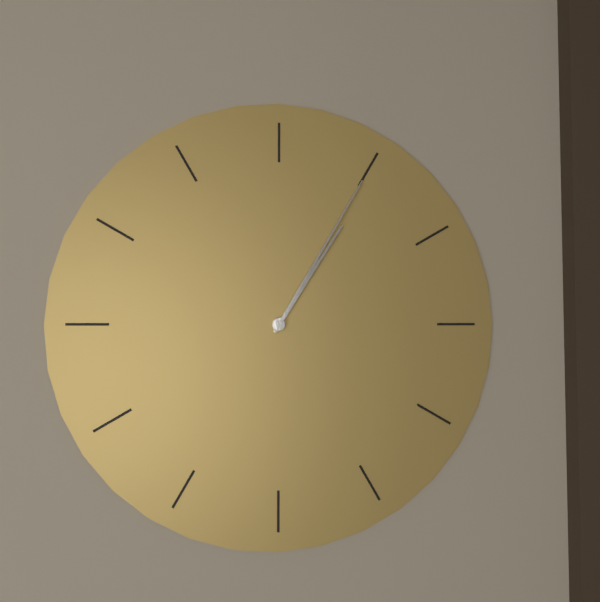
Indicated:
1.05
